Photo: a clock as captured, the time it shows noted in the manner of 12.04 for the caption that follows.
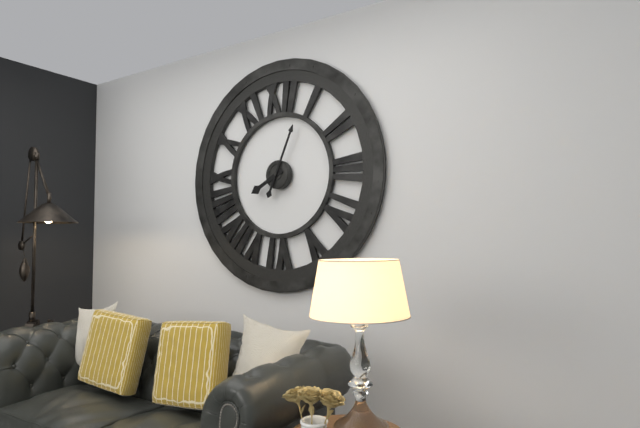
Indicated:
8.04
